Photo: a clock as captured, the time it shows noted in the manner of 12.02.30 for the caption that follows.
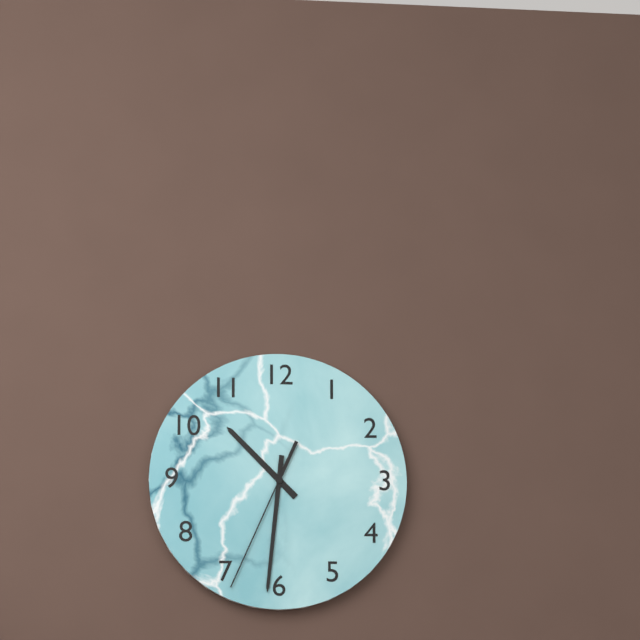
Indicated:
10.31.34
